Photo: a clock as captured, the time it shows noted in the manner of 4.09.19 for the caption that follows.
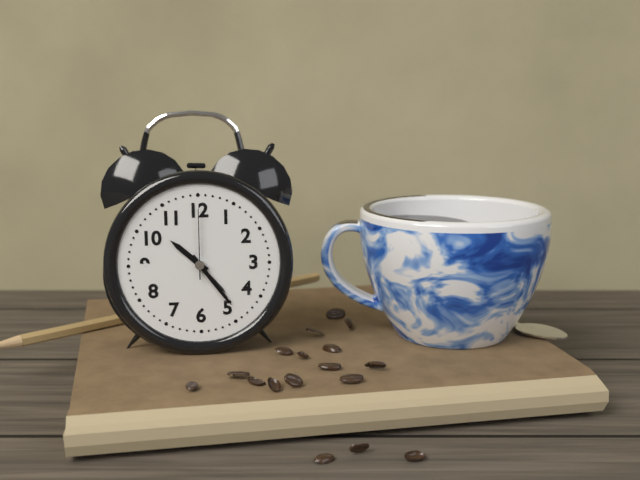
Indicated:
10.24.00
